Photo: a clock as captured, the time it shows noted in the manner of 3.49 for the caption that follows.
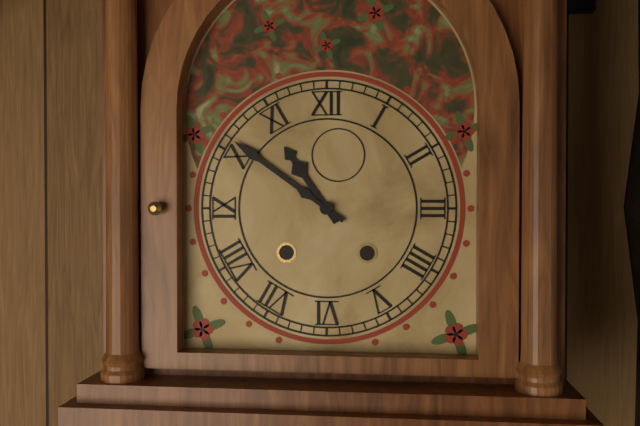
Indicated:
10.51
